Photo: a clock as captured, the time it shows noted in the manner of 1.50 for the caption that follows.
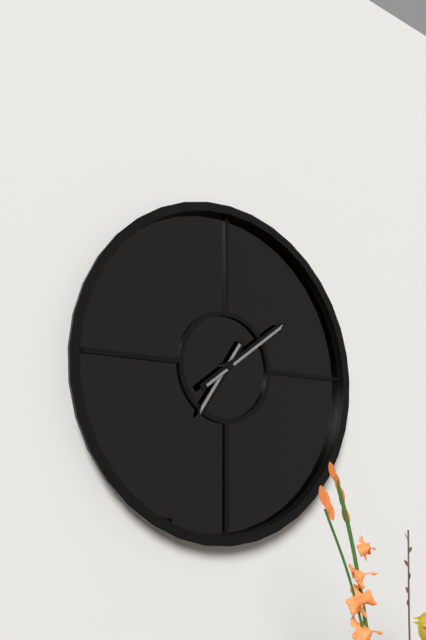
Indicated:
7.09
